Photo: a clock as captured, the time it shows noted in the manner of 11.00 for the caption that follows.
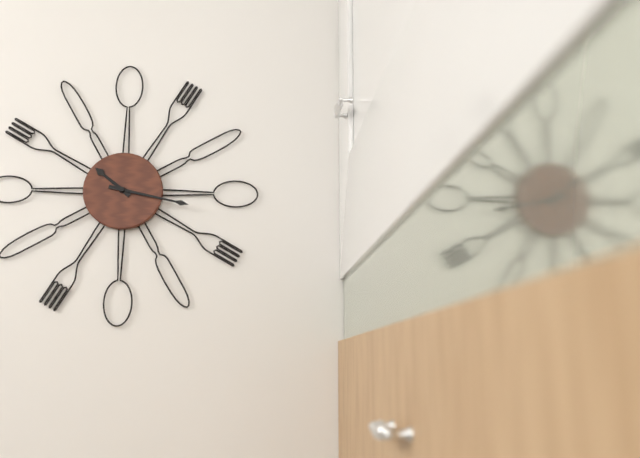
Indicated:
10.17
